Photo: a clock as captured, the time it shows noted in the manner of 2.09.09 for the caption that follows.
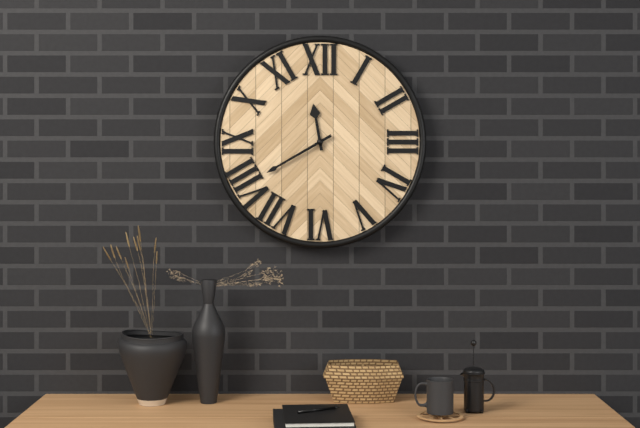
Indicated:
11.40.40
